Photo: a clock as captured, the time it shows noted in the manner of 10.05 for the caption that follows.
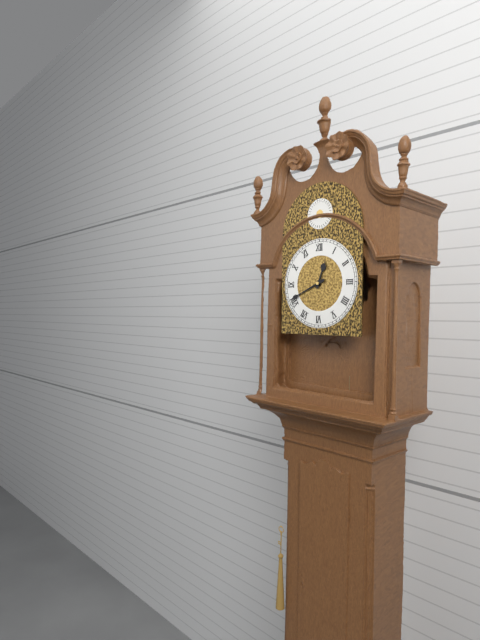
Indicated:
12.41
